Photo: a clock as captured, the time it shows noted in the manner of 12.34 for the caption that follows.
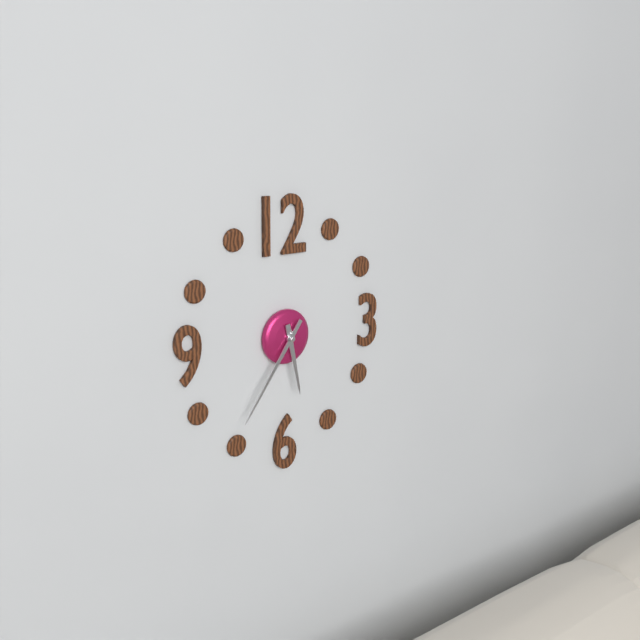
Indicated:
5.36
